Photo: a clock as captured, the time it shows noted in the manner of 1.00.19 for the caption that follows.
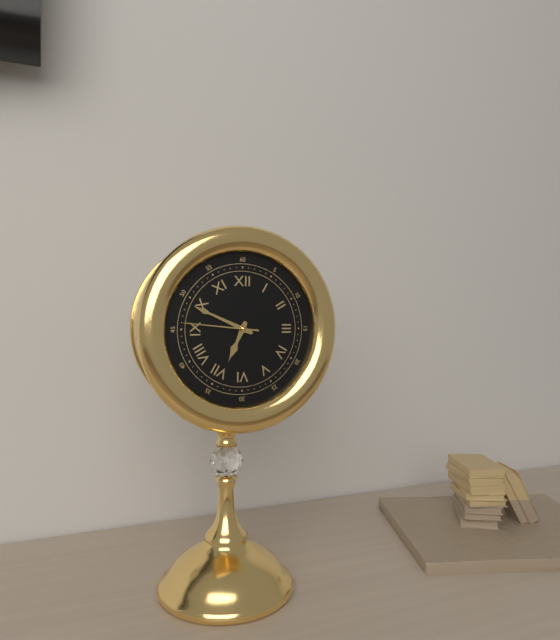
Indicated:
6.49.46
